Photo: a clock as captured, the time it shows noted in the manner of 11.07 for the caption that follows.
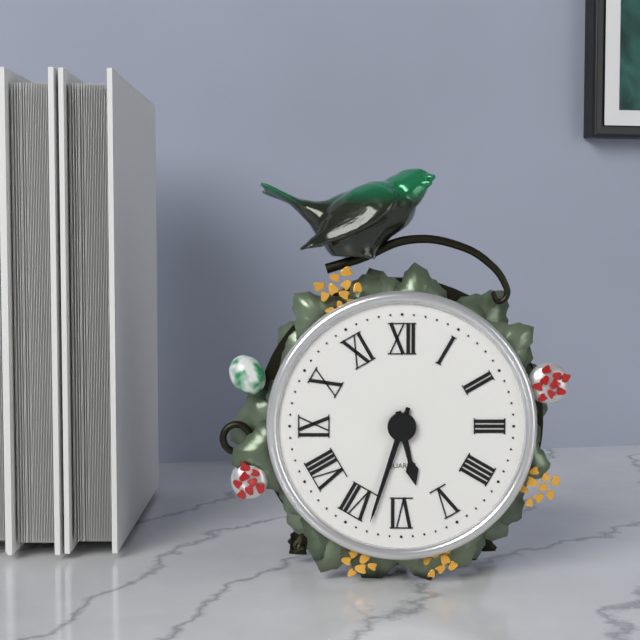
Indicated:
5.33
